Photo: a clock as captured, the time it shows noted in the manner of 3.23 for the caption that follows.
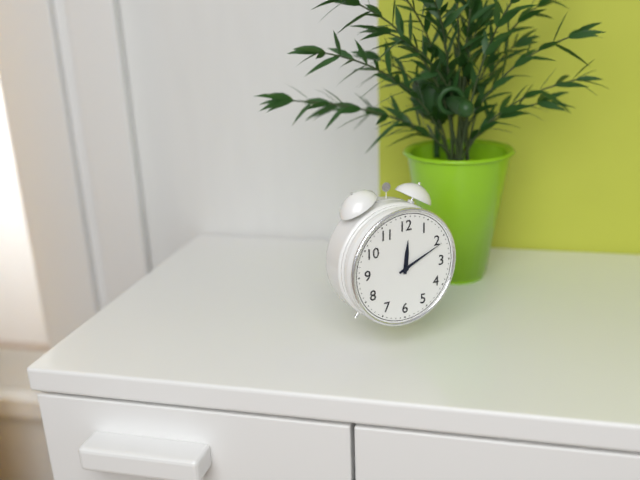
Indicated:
12.11
